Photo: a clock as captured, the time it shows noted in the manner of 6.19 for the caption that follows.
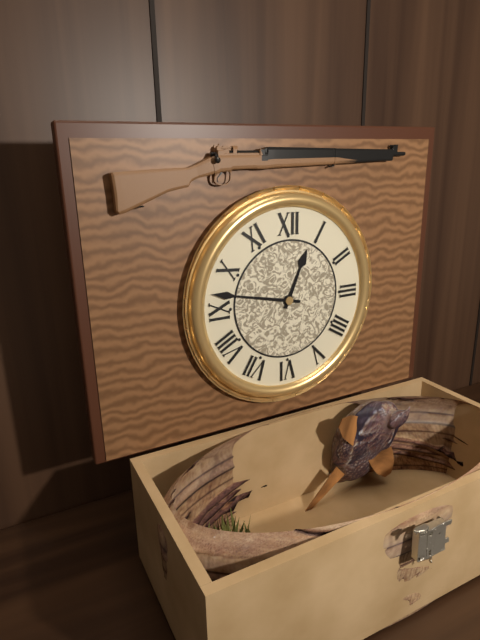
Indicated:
12.47
